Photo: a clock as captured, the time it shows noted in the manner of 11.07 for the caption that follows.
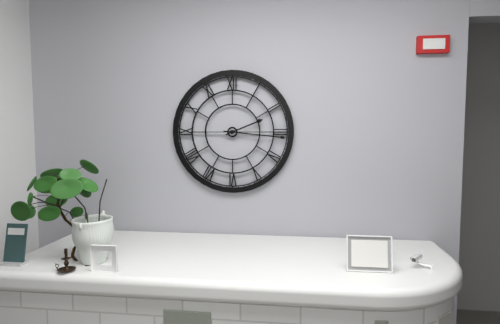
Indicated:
2.16
